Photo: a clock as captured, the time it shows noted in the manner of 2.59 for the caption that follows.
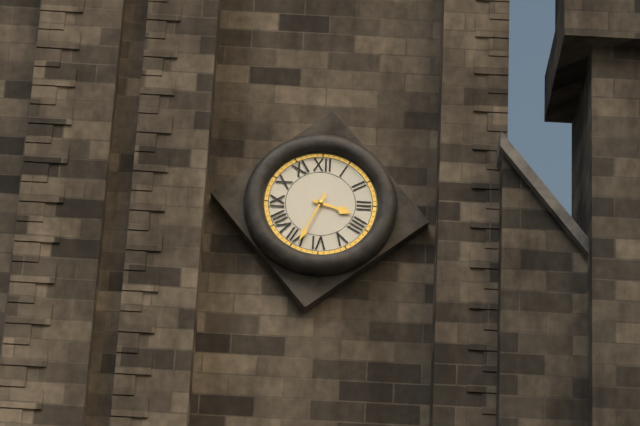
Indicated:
3.34
